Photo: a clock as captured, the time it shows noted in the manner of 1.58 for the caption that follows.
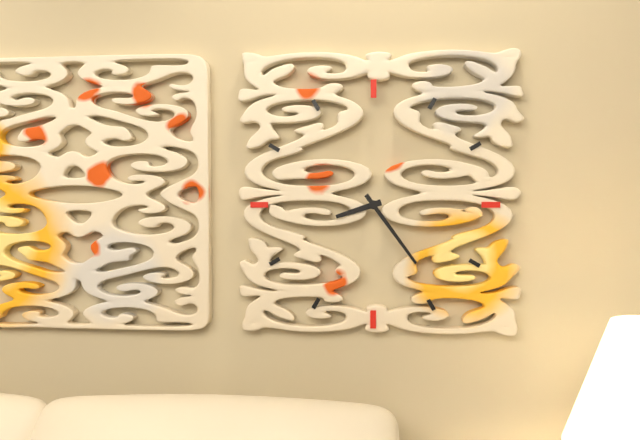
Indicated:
8.24
